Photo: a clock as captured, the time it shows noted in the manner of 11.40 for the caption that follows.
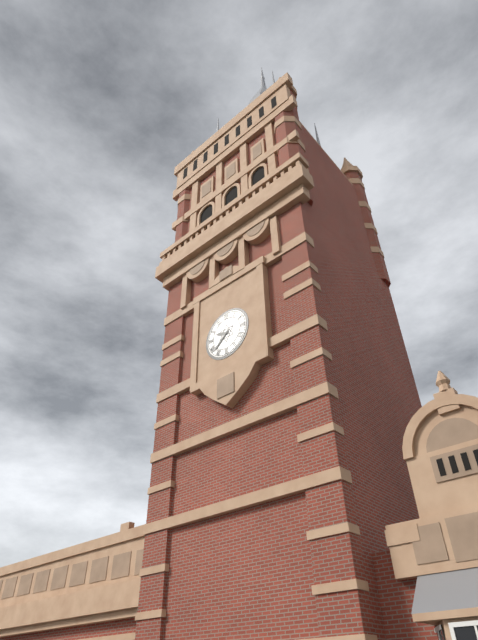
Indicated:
9.38
